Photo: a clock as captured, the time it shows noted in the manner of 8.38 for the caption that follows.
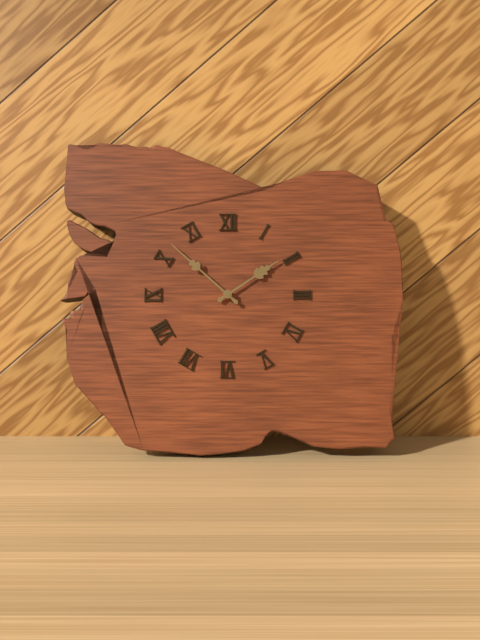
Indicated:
1.52
